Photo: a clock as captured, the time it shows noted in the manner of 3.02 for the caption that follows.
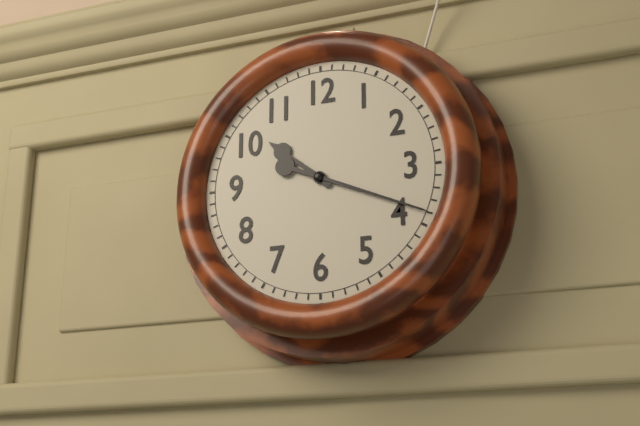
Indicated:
10.19
